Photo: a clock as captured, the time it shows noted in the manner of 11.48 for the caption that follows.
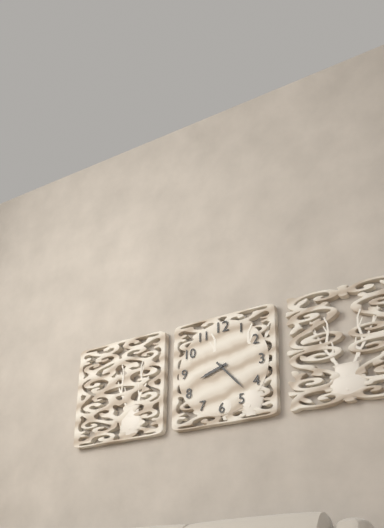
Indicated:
8.23
